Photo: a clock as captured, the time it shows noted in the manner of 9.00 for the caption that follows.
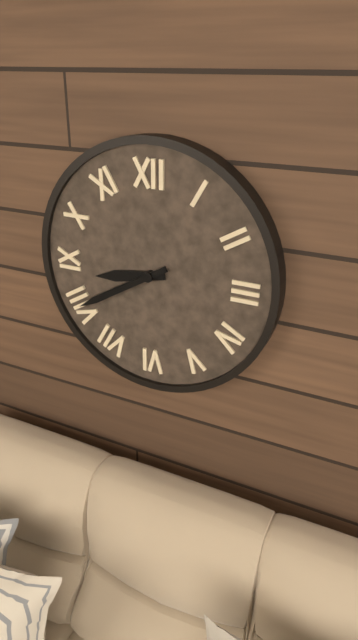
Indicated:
8.40
